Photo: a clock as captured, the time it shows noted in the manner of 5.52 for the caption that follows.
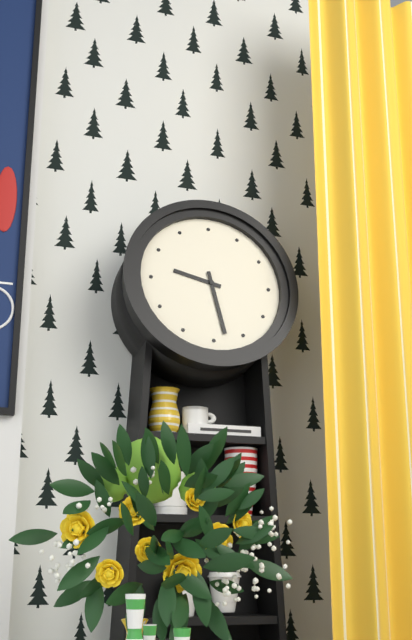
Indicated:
9.28
